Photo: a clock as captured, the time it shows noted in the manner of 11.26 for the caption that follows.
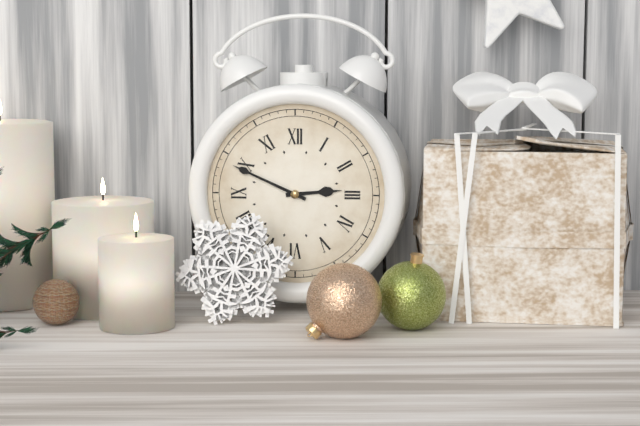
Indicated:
2.49
